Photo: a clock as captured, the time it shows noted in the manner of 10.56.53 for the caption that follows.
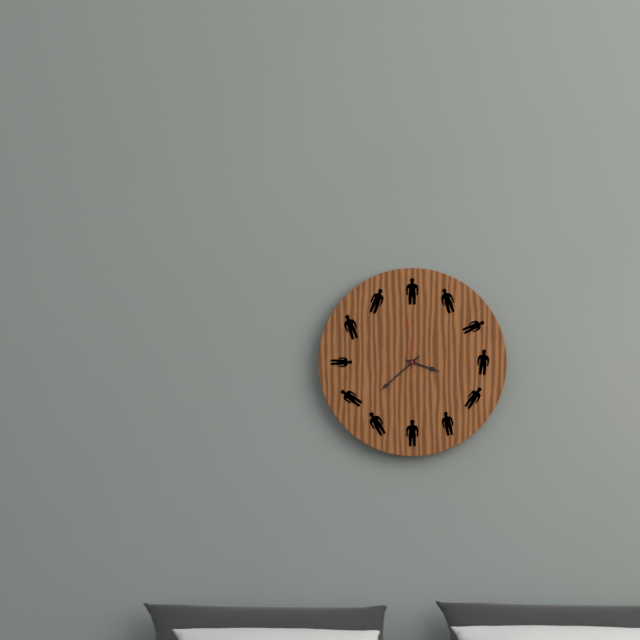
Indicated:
3.38.59
